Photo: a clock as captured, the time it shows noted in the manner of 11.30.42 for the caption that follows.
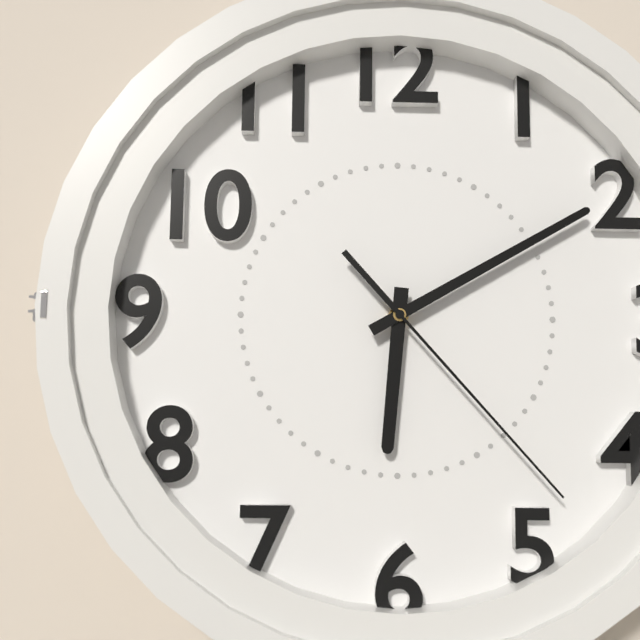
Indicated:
6.10.23
